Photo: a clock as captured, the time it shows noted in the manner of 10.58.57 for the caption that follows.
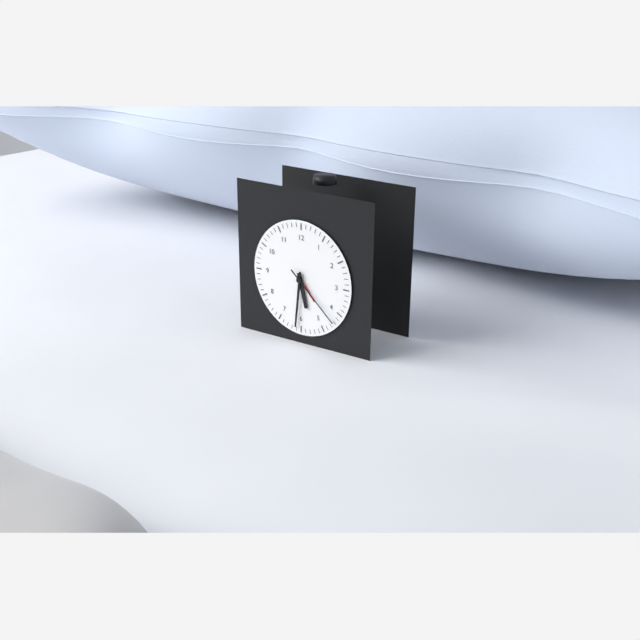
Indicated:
5.31.22
